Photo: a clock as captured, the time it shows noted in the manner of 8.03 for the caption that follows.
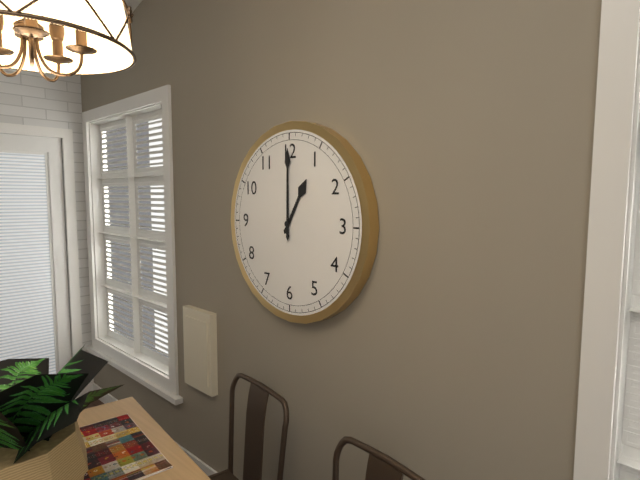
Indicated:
1.00
